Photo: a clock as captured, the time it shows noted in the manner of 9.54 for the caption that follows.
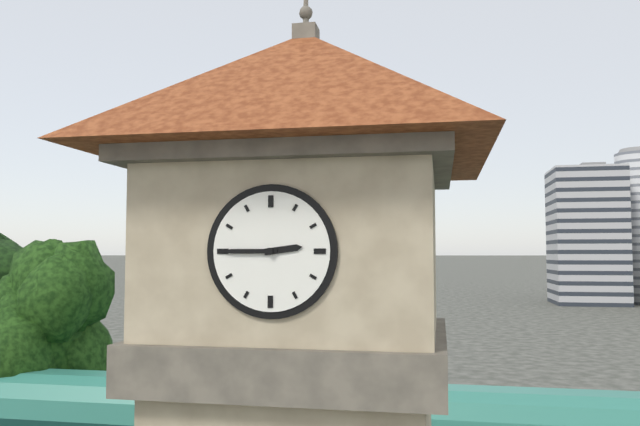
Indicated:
2.45
